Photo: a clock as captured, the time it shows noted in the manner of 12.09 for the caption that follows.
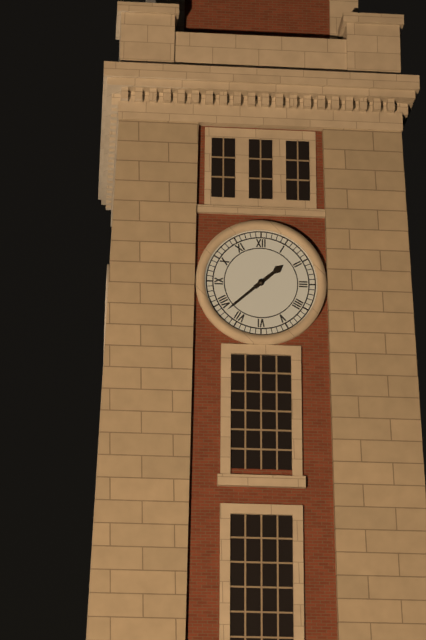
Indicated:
1.38
